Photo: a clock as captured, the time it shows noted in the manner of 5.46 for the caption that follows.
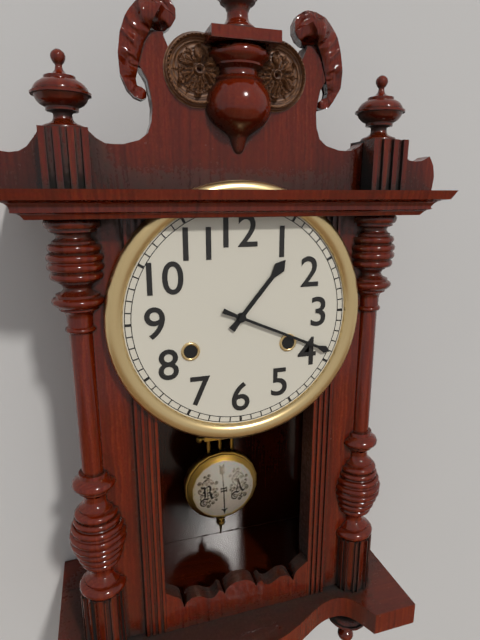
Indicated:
1.19
